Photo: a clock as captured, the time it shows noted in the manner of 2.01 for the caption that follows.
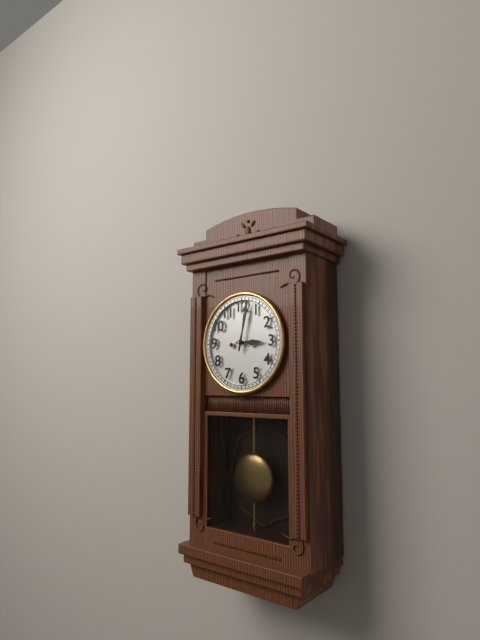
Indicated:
3.02
